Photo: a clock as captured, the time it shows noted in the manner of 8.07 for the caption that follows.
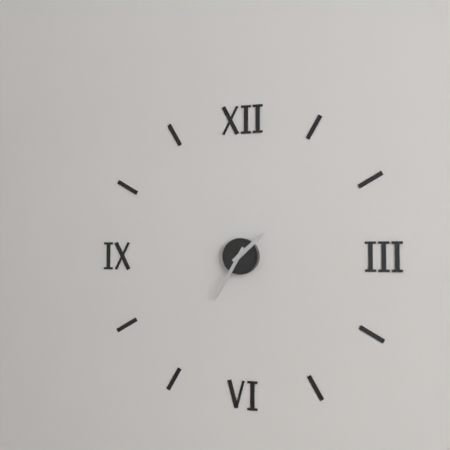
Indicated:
1.35
